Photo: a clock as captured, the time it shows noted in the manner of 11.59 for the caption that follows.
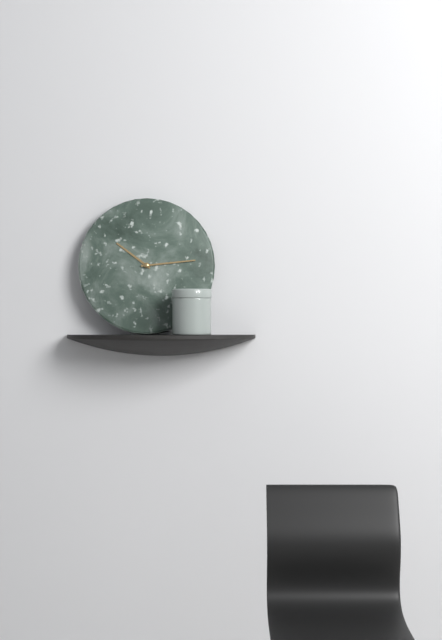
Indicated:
10.14
